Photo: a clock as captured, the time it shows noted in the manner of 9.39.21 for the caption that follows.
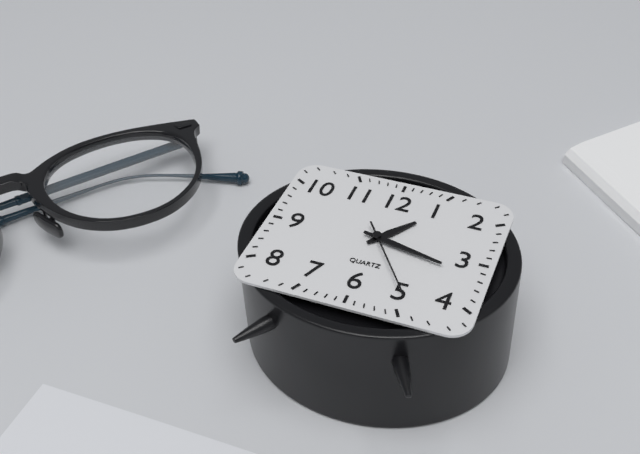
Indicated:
1.17.24
